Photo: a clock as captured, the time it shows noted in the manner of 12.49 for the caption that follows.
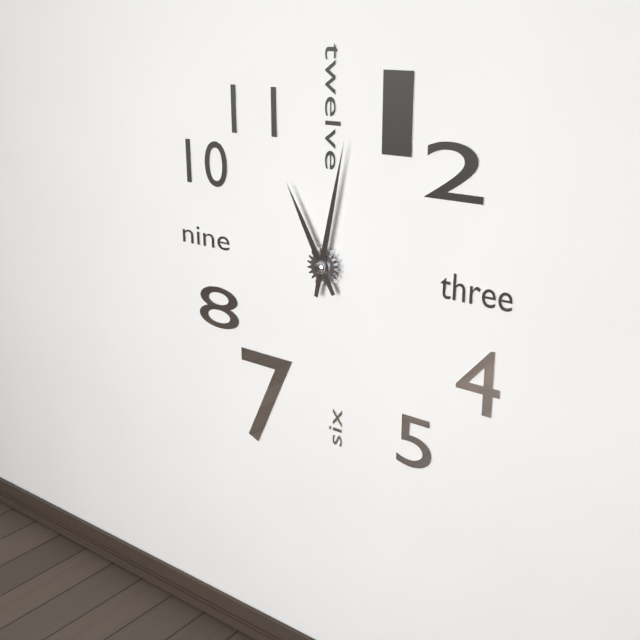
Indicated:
11.02
